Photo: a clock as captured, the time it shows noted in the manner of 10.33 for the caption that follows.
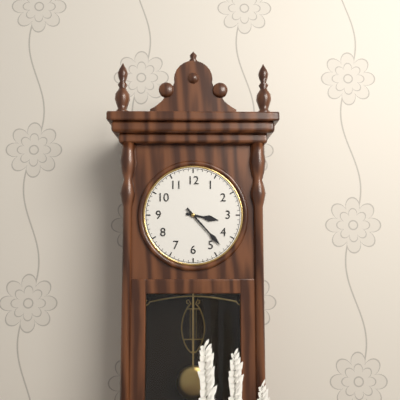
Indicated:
3.23
